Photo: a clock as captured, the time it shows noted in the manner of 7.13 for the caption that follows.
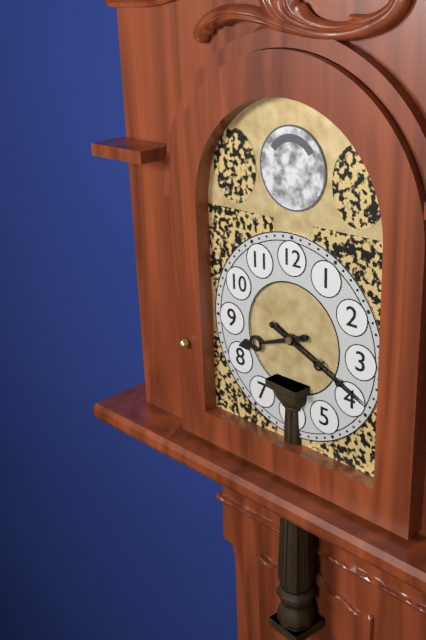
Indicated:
8.19
